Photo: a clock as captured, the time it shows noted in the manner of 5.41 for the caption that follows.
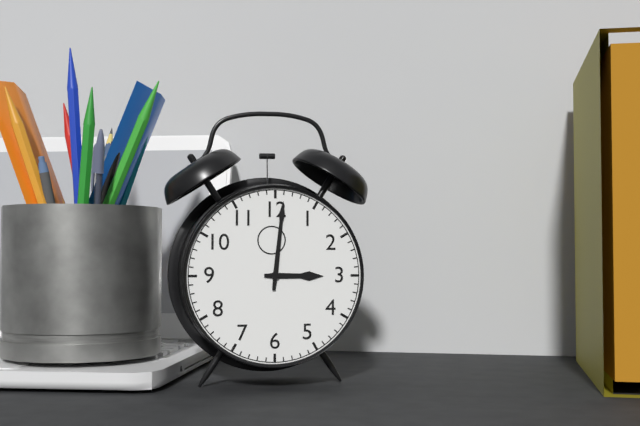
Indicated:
3.01
